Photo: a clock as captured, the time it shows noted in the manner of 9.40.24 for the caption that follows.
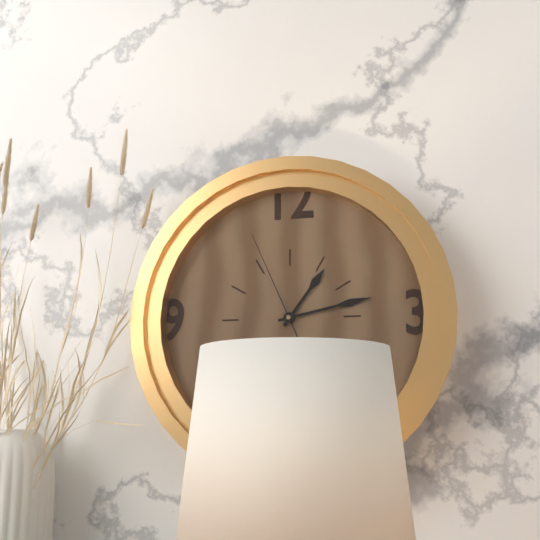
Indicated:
1.13.56
